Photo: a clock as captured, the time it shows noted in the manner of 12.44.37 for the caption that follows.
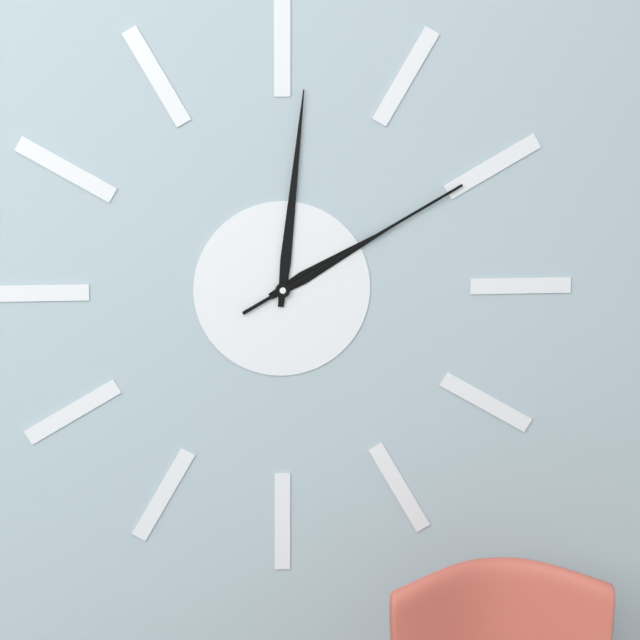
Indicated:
2.01.10
